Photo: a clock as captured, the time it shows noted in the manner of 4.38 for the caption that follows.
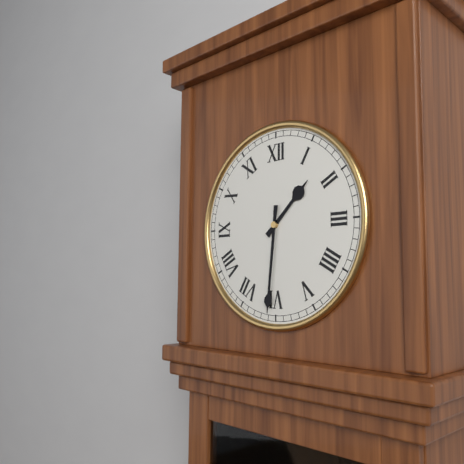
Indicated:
1.31
